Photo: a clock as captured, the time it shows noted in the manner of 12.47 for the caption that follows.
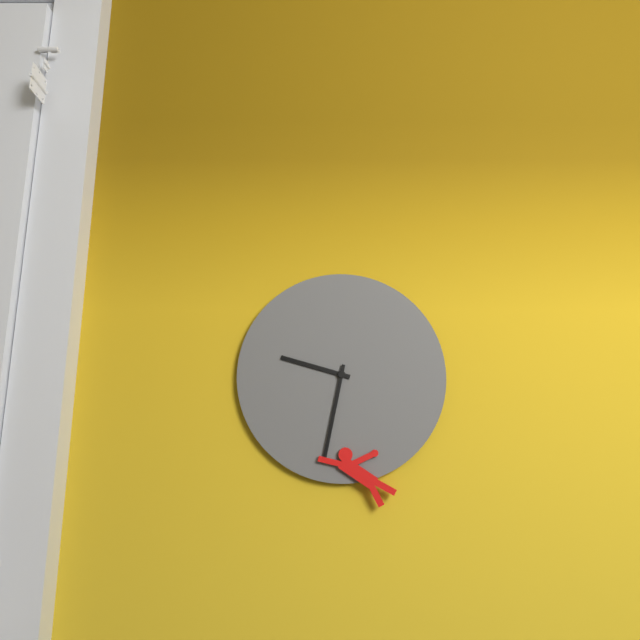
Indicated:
9.32
